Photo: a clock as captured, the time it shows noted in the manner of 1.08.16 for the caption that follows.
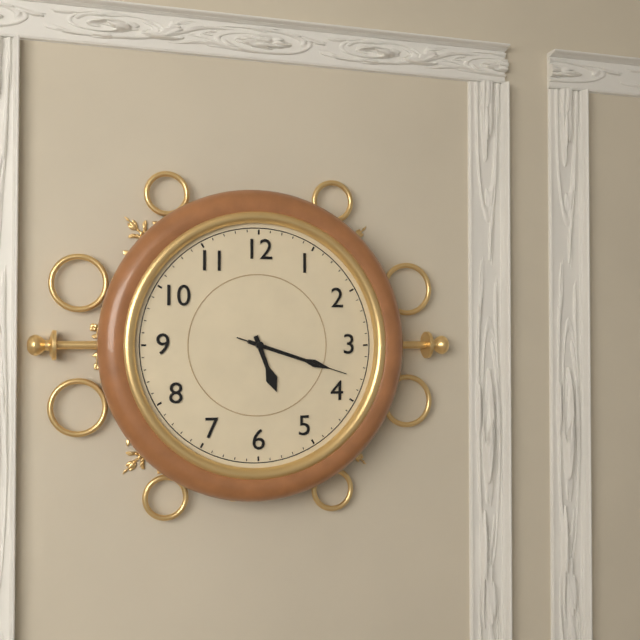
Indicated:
5.18.18
